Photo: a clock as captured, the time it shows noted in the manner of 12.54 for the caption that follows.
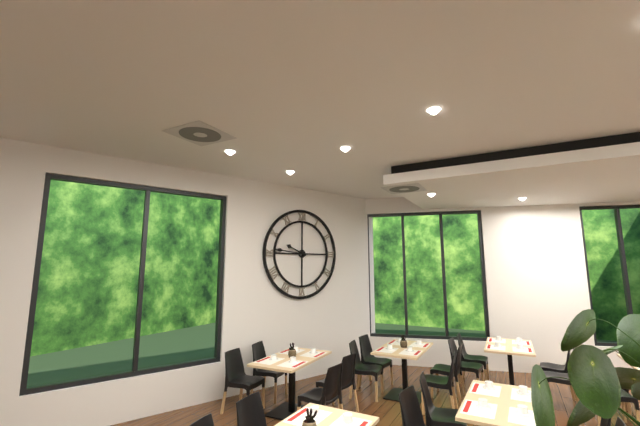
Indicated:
9.46
